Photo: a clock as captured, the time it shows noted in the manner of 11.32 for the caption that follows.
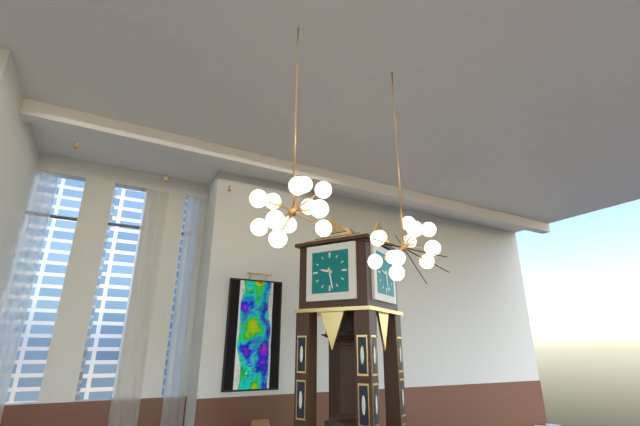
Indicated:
9.28
